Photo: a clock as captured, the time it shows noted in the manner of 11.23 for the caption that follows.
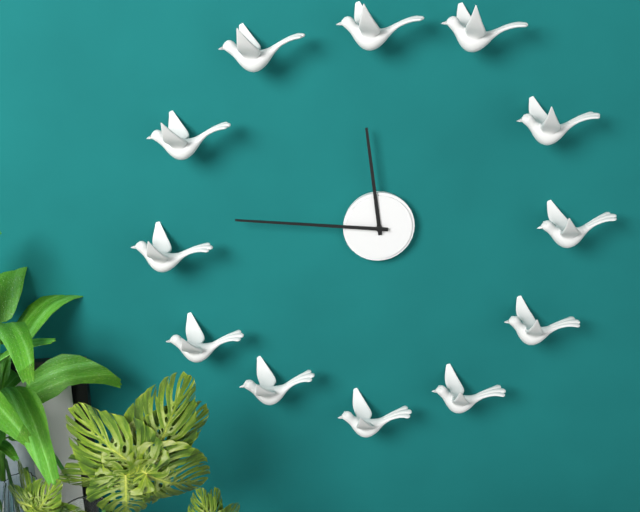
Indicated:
11.46
